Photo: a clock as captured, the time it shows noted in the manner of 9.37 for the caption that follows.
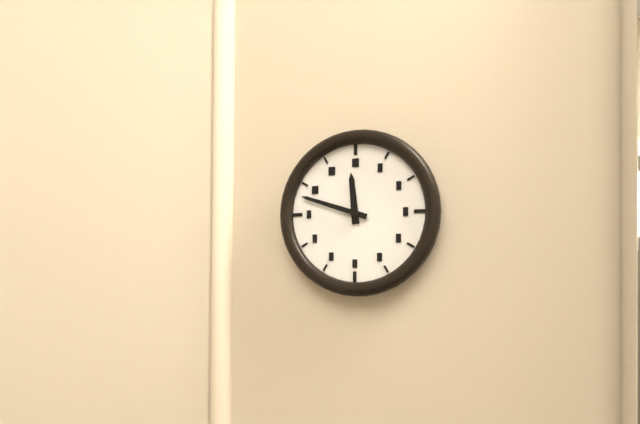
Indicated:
11.48
